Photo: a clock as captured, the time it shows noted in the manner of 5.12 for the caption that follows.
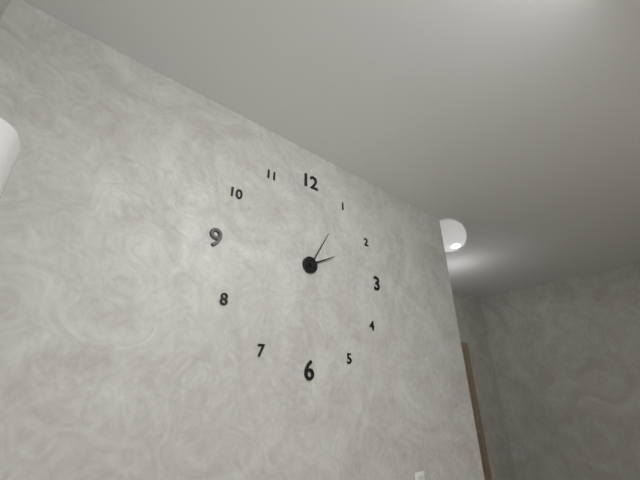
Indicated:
2.05
